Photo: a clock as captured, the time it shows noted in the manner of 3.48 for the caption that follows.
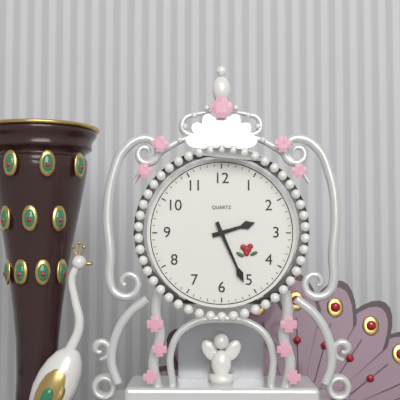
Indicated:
2.26
